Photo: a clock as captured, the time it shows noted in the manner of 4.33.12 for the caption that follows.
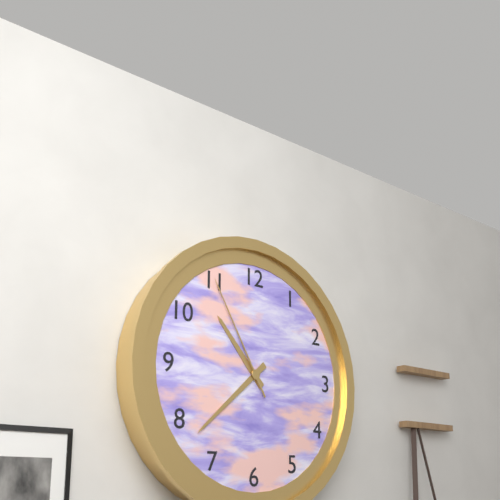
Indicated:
10.38.55
